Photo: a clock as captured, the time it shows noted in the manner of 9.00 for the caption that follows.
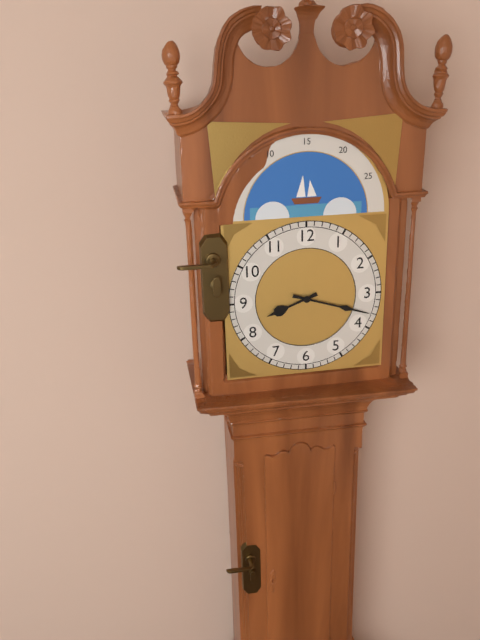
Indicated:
8.18
